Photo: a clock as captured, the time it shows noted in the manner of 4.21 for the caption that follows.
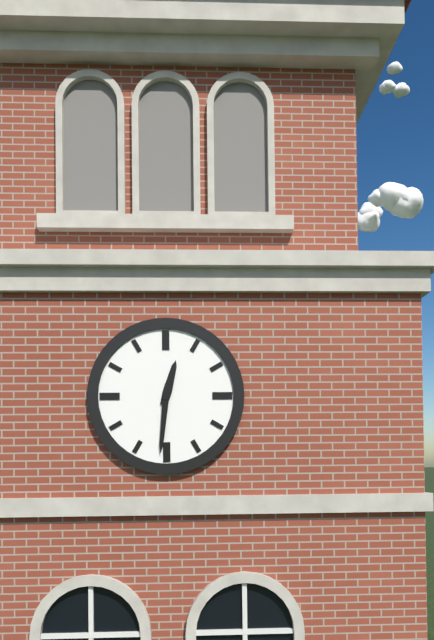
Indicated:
12.31
